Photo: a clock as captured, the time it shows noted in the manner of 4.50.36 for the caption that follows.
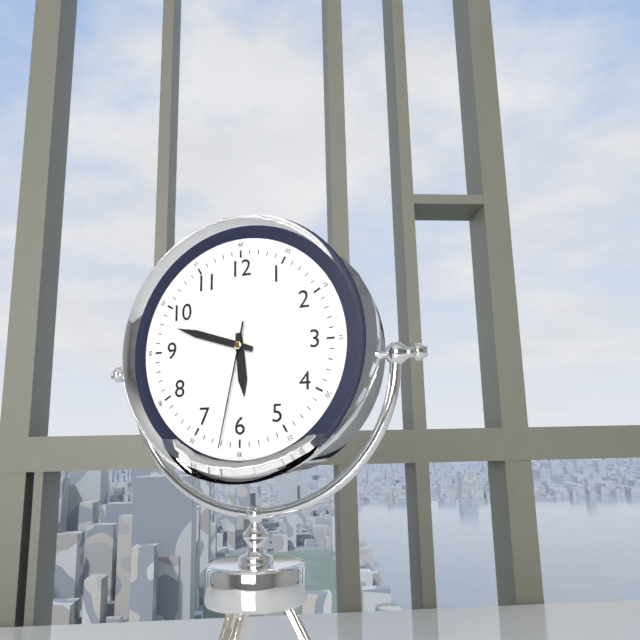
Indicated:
5.48.32
